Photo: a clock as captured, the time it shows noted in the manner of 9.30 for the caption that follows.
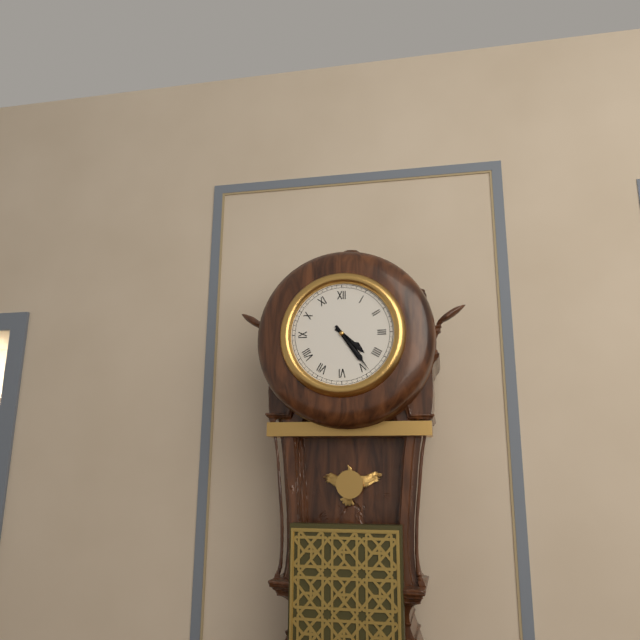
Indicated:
4.24
